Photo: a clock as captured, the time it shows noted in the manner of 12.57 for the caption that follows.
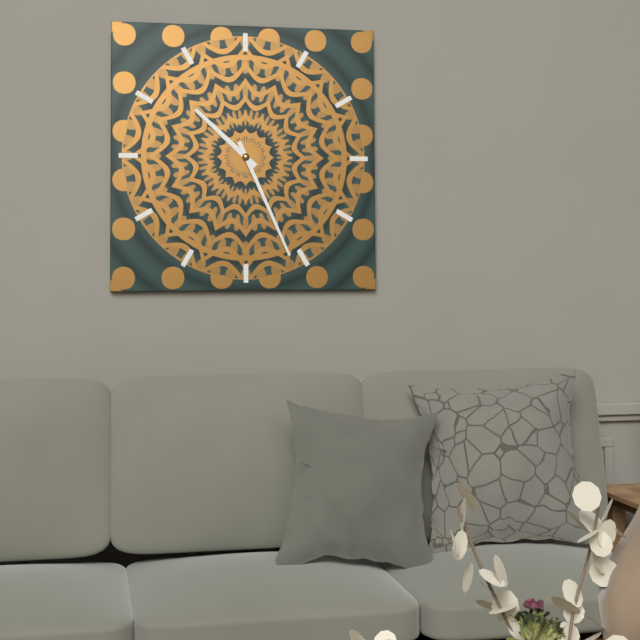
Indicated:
10.26
